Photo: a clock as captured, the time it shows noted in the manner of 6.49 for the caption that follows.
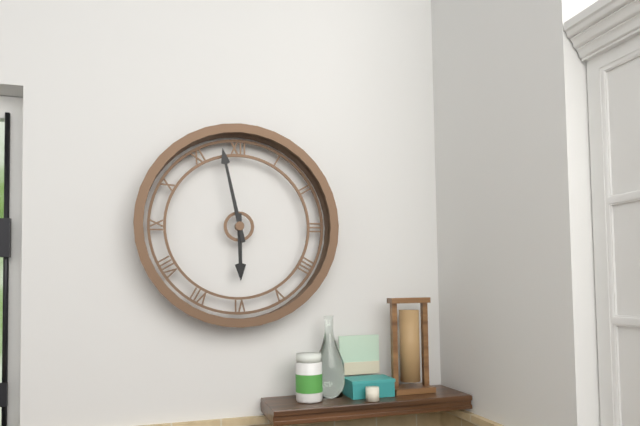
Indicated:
5.58
